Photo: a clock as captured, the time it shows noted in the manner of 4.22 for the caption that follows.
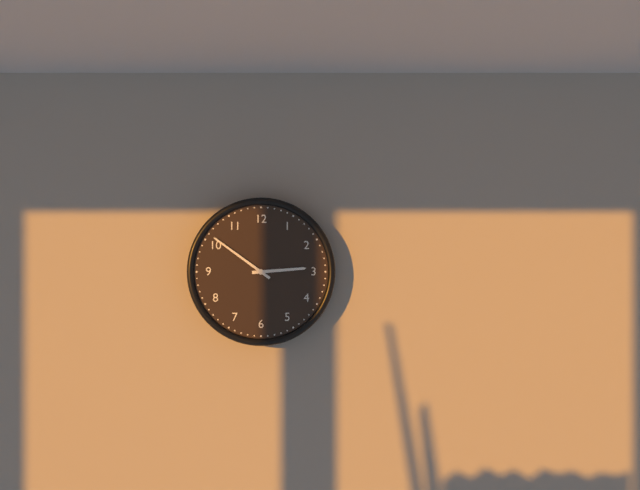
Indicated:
2.51
